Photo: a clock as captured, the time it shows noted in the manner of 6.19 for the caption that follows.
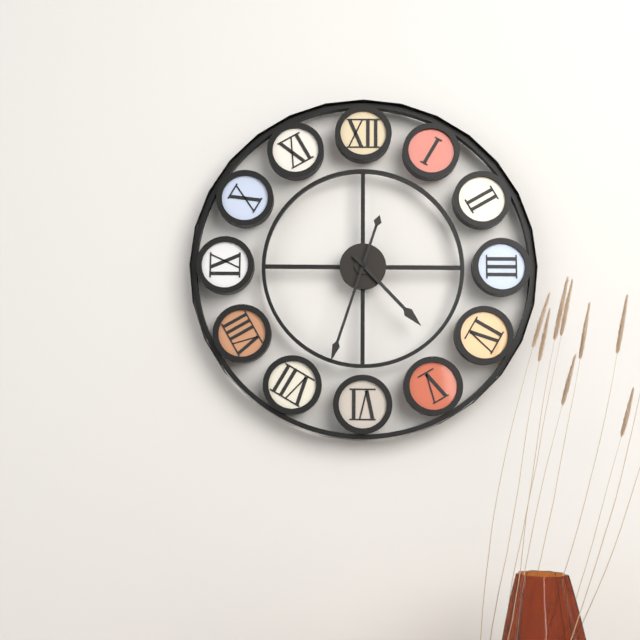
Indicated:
4.33
